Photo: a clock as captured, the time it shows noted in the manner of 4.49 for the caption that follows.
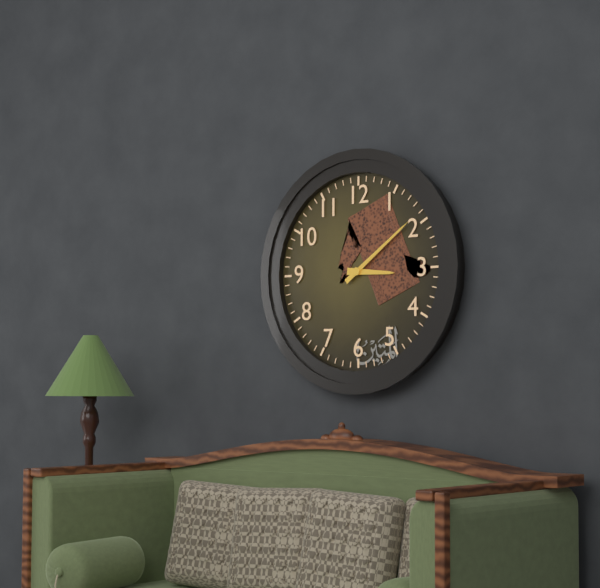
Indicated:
3.09
